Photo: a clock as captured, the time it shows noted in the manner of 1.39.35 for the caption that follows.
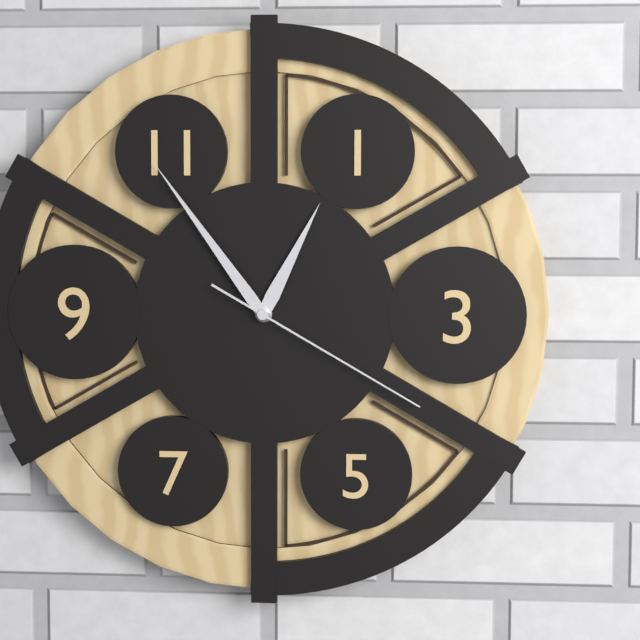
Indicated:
12.54.20
